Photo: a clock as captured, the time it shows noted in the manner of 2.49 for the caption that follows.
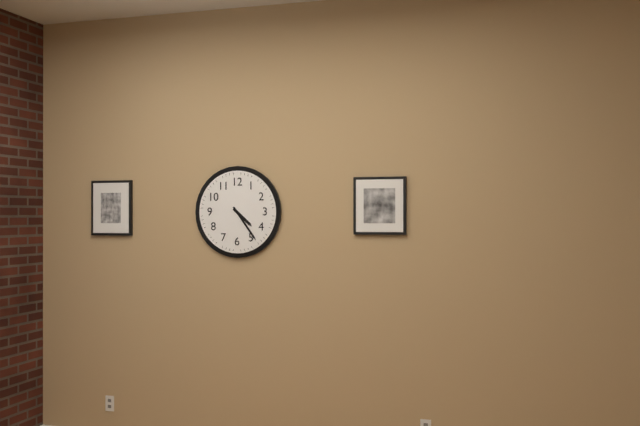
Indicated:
4.24
